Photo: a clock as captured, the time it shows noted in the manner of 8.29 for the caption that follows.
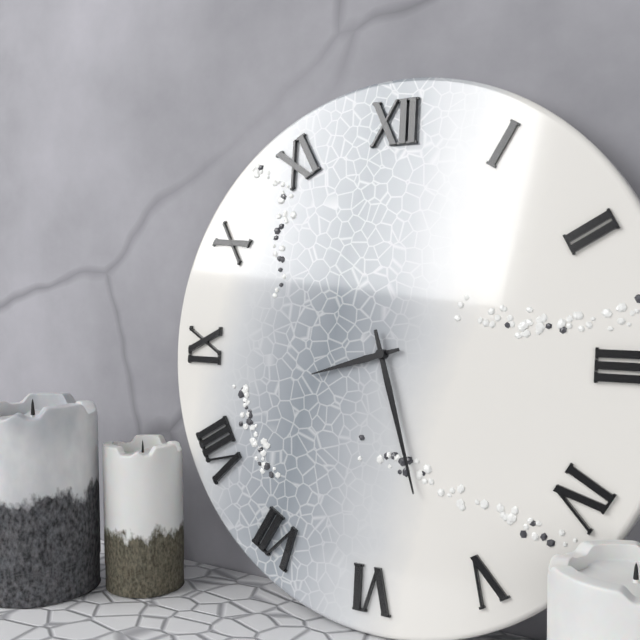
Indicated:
8.27
